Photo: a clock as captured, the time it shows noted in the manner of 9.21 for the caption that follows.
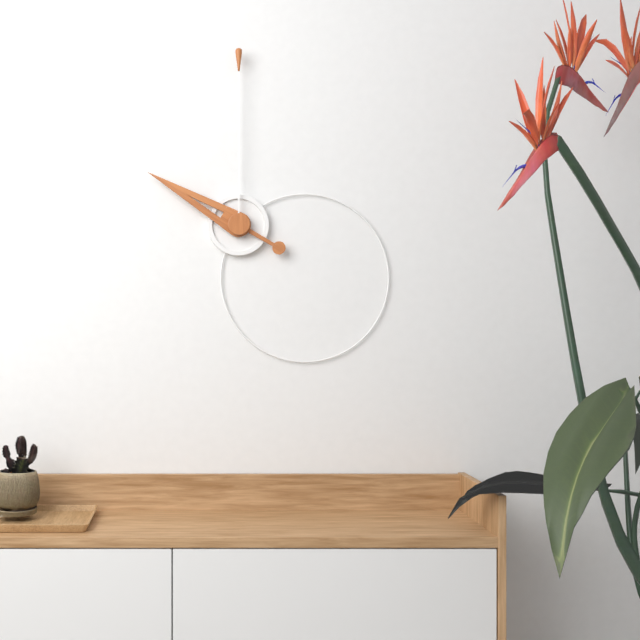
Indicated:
10.00
